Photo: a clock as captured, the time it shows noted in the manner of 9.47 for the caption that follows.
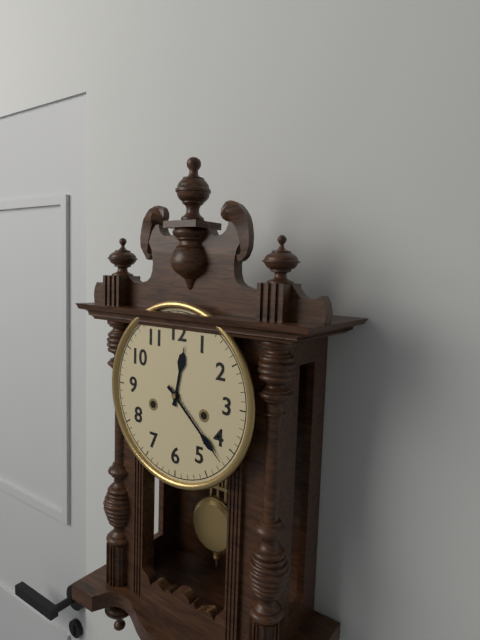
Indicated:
12.22
